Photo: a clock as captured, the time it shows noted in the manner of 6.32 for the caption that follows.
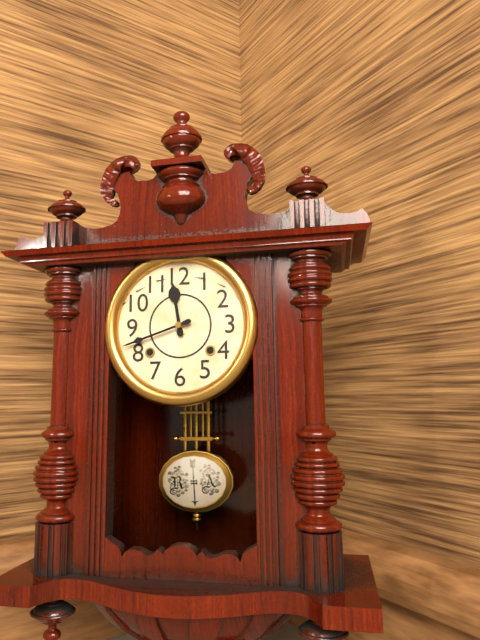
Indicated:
11.42
